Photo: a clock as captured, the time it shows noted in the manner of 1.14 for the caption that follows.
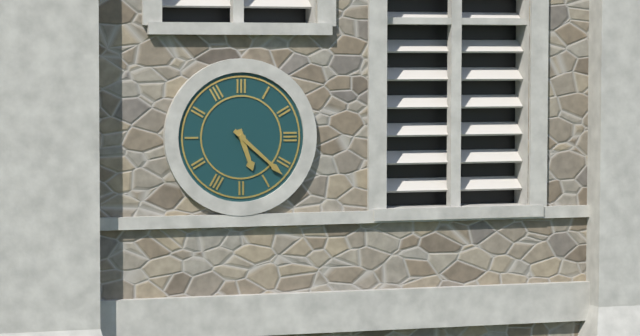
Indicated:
5.22
